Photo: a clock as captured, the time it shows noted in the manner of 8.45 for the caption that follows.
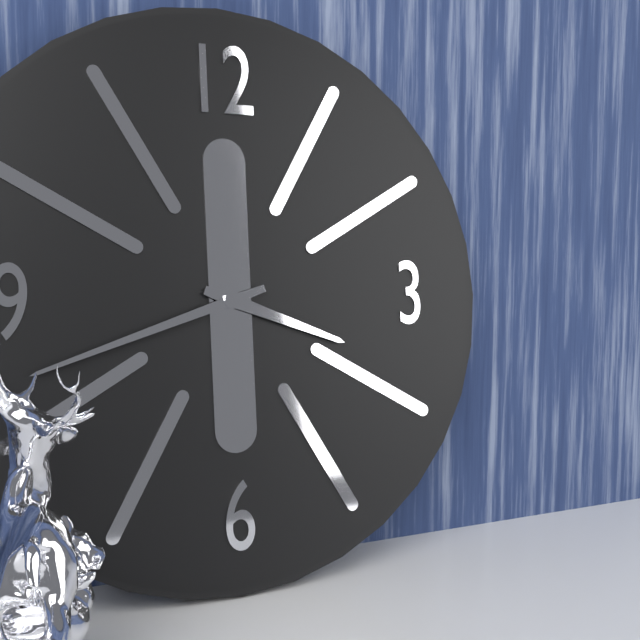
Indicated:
3.42
